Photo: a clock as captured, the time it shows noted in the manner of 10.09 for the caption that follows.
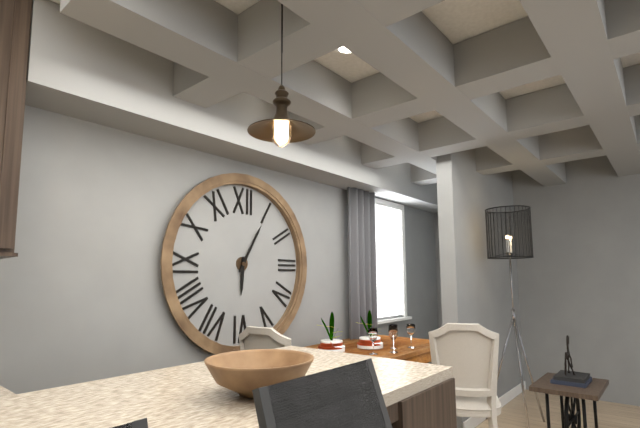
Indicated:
6.05
